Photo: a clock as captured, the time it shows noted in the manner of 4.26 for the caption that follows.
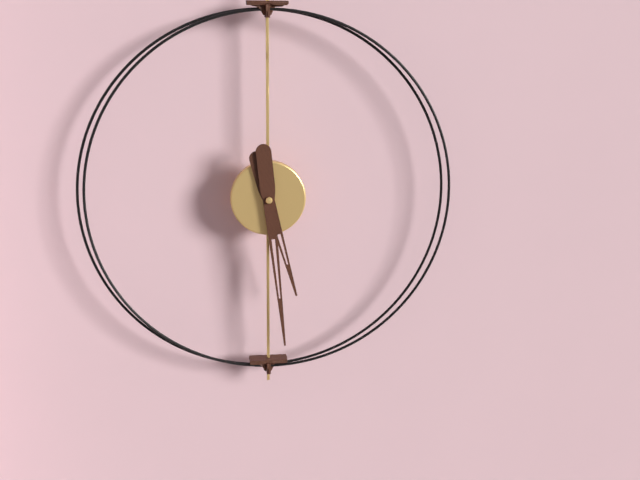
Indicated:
5.29
